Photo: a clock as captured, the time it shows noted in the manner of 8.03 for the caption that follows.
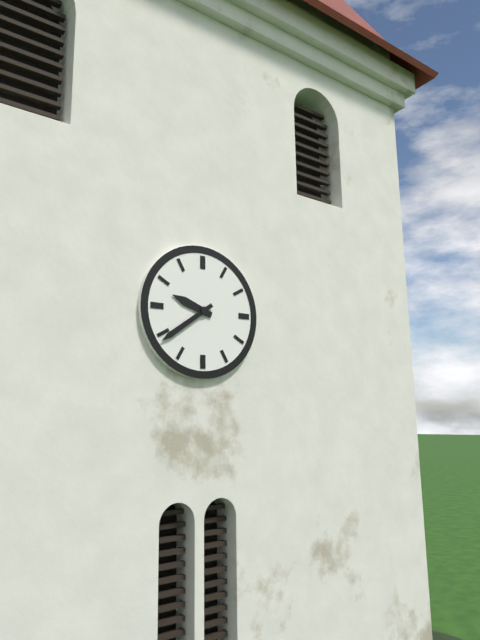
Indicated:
9.39
